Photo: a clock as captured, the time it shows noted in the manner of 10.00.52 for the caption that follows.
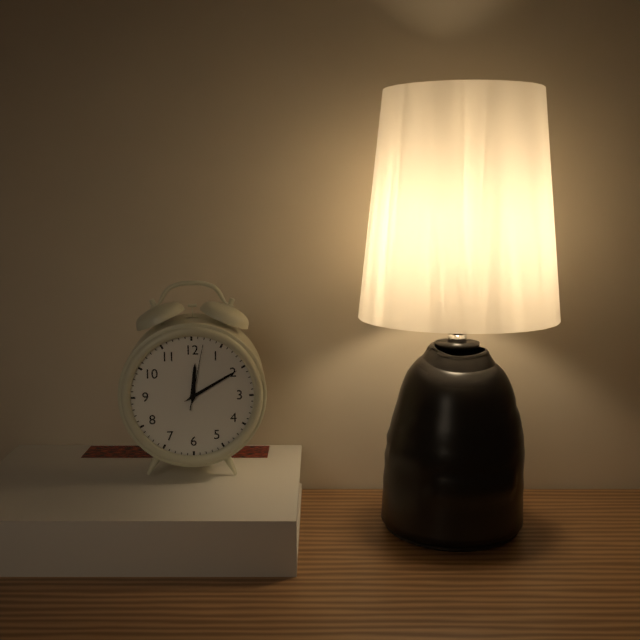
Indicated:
12.10.02
